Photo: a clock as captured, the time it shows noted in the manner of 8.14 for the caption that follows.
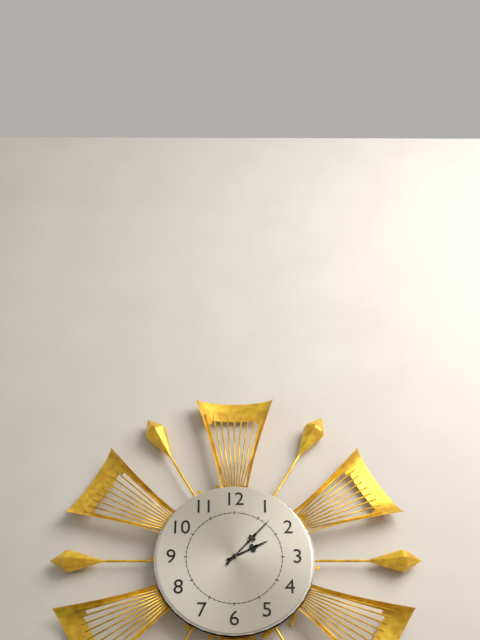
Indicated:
2.07
